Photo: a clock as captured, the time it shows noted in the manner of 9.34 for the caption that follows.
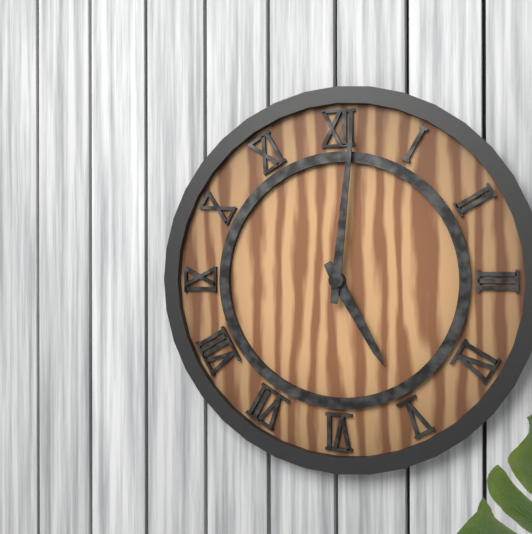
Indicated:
5.01
